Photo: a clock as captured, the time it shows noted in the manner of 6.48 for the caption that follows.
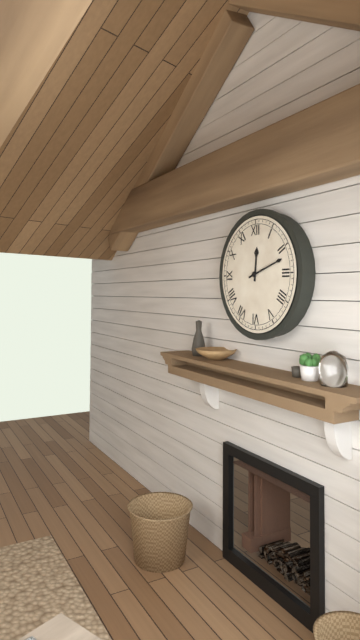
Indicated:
12.12
